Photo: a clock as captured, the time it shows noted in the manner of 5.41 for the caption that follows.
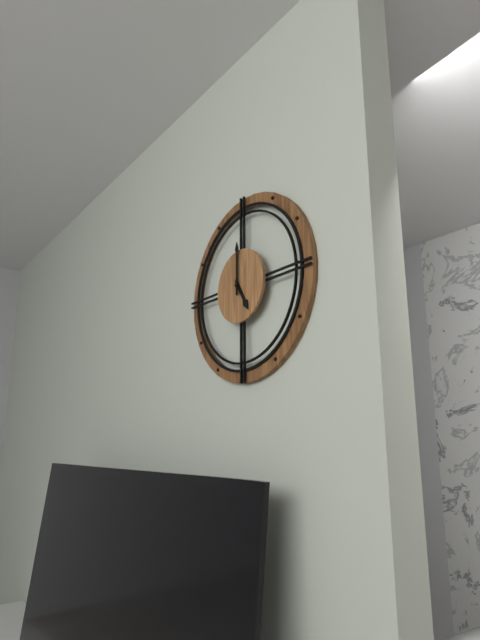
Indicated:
5.00
